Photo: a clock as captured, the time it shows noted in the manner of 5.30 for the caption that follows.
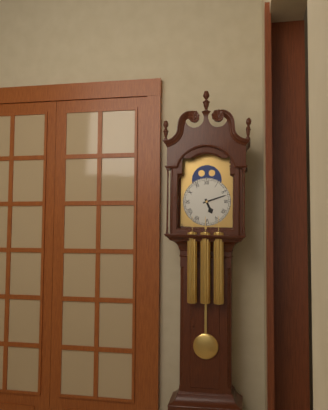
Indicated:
5.12
